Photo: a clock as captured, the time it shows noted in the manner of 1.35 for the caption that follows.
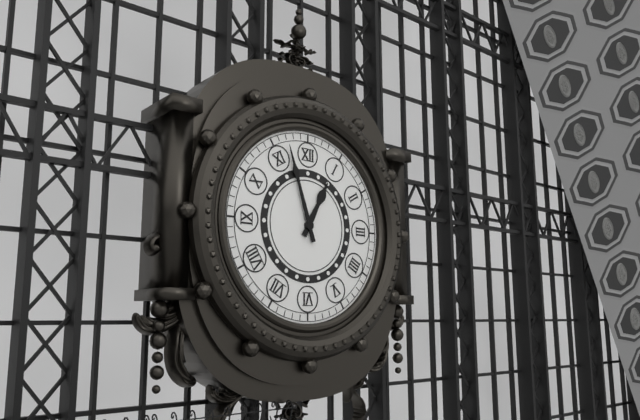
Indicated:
12.57
